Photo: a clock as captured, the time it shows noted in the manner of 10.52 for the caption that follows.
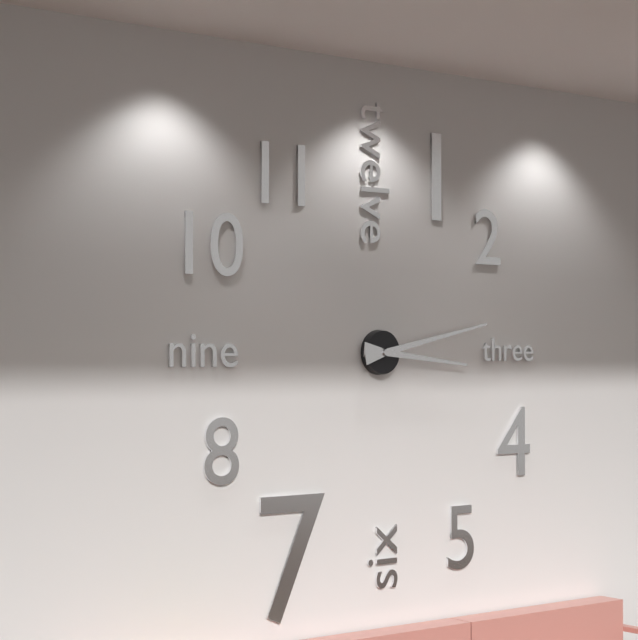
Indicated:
3.13
